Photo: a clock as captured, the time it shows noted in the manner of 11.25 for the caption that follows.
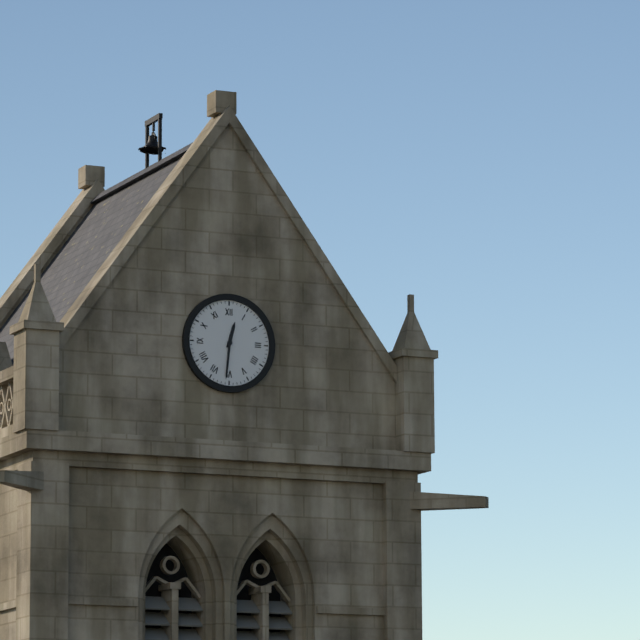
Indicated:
12.31
